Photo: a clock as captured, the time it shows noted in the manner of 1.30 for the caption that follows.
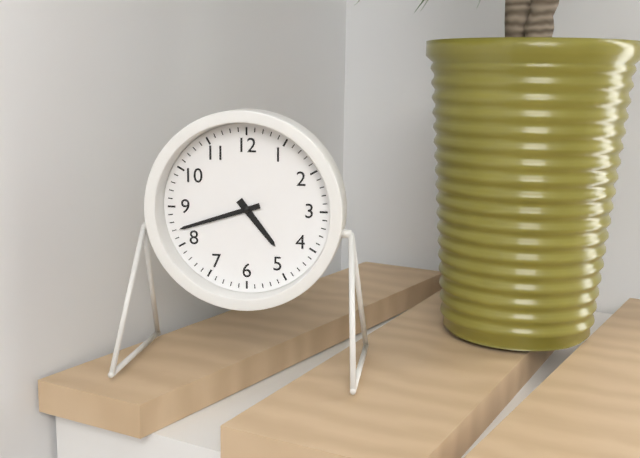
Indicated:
4.42
